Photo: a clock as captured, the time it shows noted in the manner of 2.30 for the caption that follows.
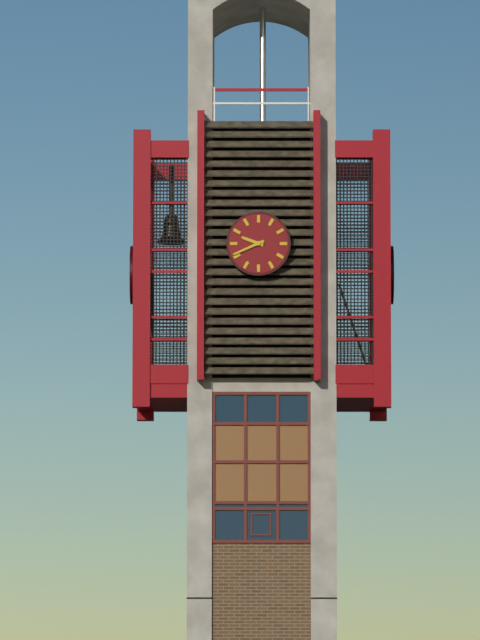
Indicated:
9.41
